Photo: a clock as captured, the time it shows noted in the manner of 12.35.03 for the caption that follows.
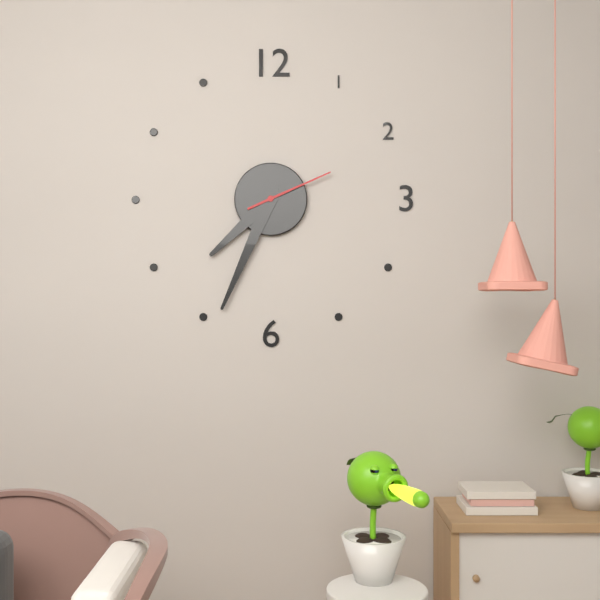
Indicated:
7.34.11
